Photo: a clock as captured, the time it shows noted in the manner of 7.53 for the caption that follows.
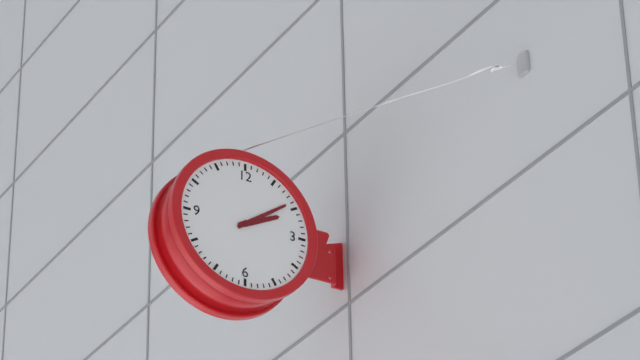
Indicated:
2.09
